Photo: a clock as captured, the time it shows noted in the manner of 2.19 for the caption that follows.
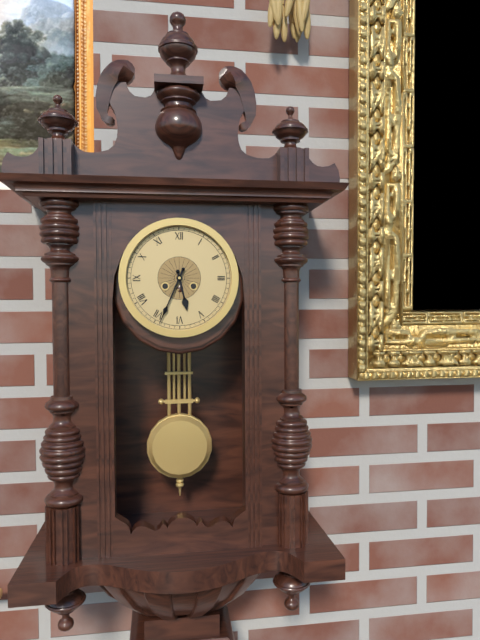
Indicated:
5.34
